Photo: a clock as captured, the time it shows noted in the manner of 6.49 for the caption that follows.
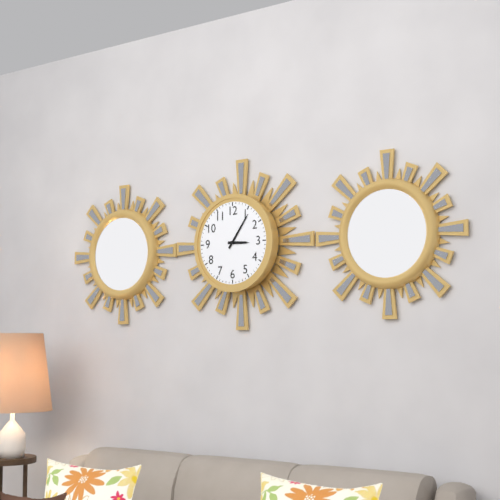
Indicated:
3.06
